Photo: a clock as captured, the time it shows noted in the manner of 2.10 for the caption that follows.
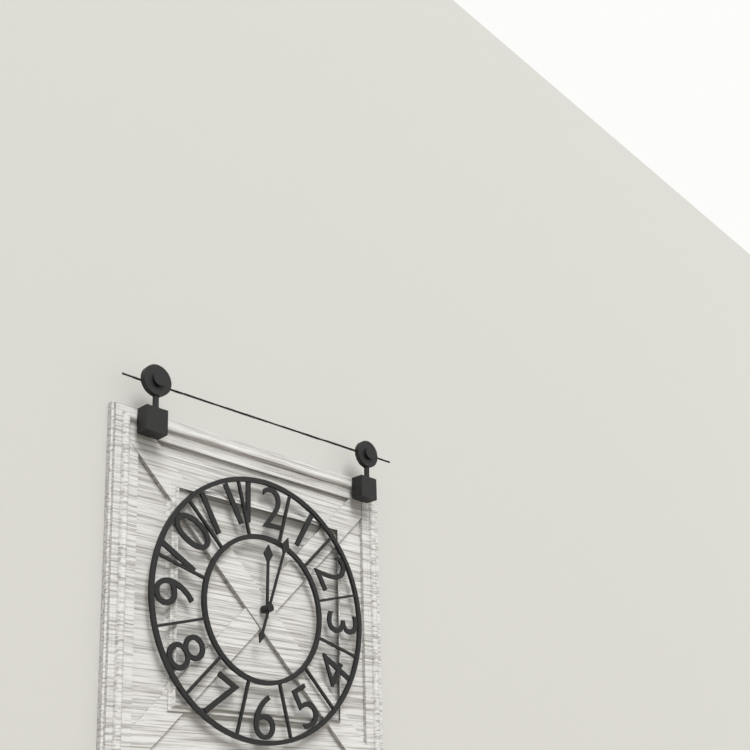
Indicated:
12.03
